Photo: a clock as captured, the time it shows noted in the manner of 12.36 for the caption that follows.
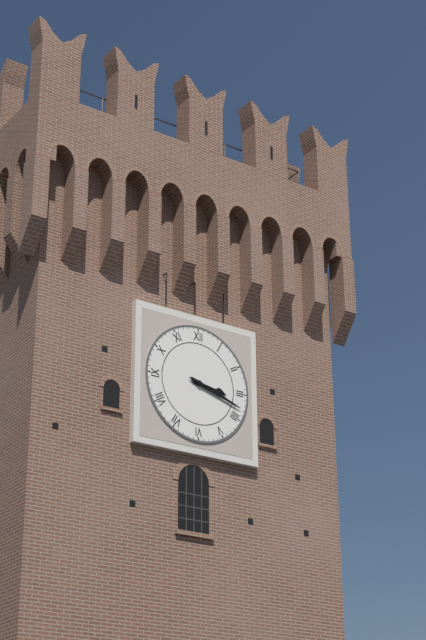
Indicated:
3.18
